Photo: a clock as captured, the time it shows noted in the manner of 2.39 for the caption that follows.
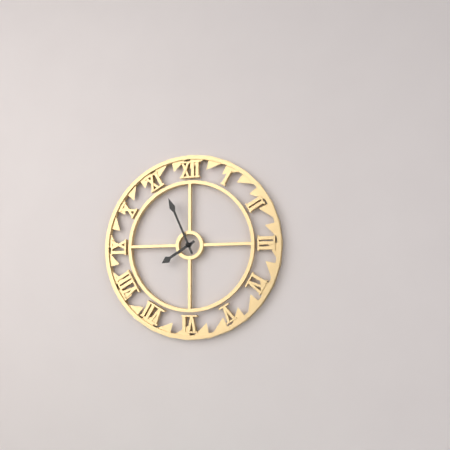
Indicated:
7.56
